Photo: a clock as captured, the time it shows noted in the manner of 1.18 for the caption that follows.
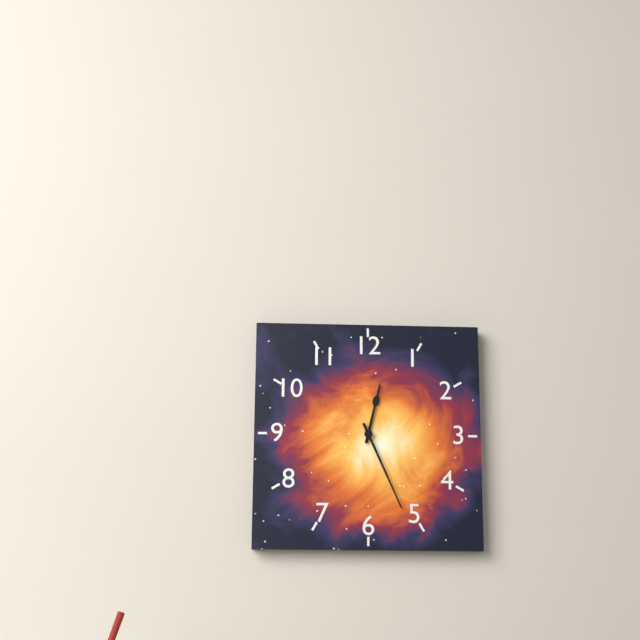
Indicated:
12.26
